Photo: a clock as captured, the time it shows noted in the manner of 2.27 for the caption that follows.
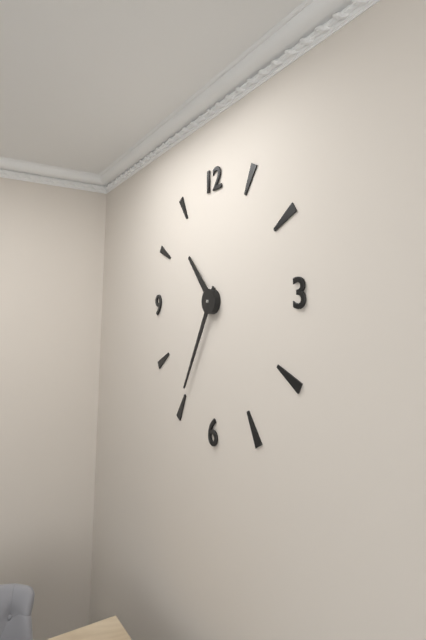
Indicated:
10.35
